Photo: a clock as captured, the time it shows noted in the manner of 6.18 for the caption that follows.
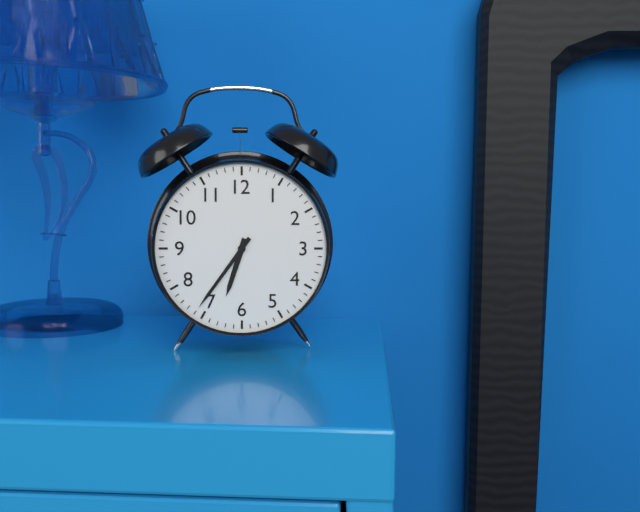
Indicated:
6.36
